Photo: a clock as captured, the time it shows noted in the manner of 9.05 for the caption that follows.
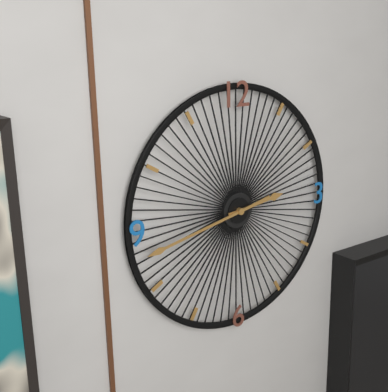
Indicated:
2.43
